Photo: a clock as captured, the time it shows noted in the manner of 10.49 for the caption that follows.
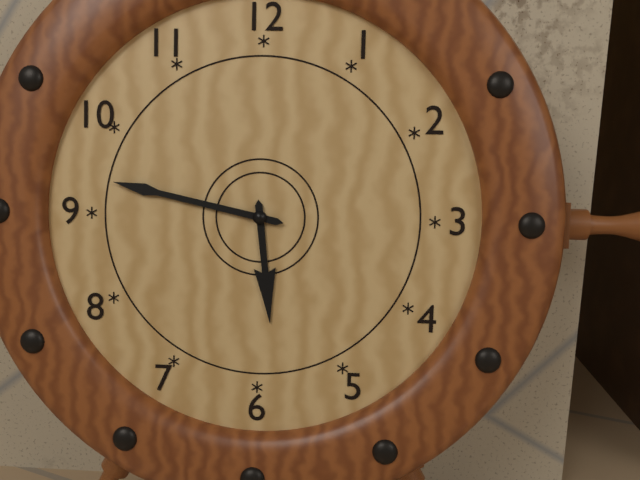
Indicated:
5.47
